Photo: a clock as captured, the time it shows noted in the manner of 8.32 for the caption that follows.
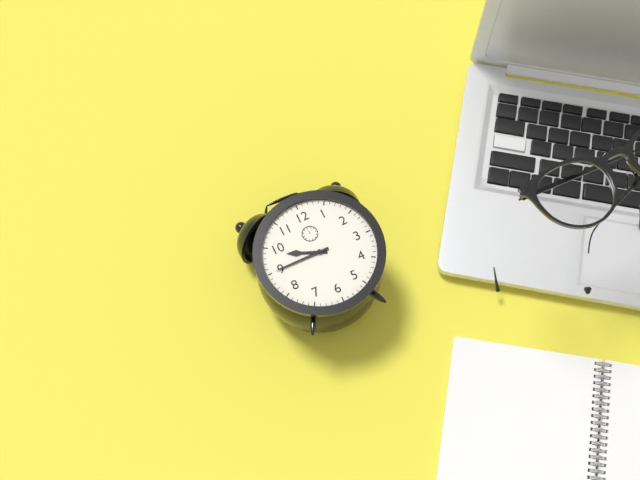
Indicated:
9.45
